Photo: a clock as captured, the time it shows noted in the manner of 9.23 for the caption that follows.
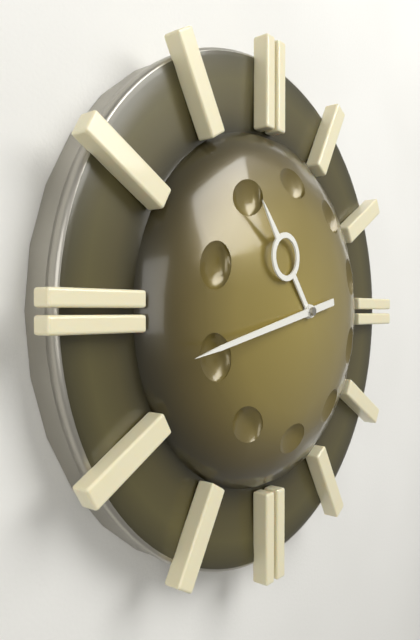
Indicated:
10.43
